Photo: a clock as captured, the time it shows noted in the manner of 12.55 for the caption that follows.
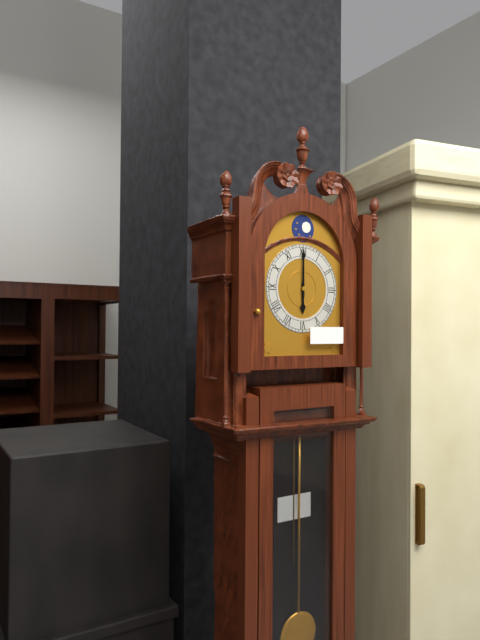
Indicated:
6.00
